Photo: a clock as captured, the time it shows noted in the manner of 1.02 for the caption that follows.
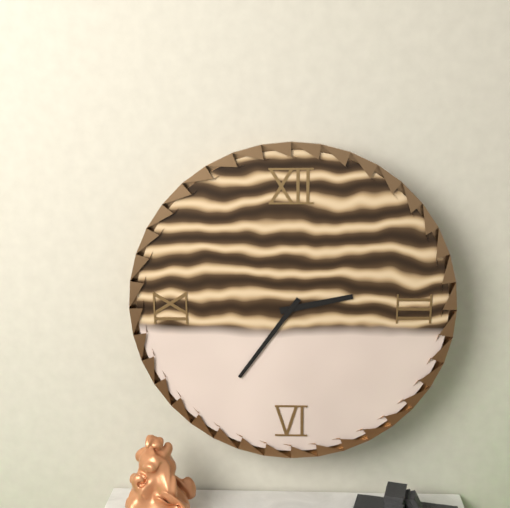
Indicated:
2.36
